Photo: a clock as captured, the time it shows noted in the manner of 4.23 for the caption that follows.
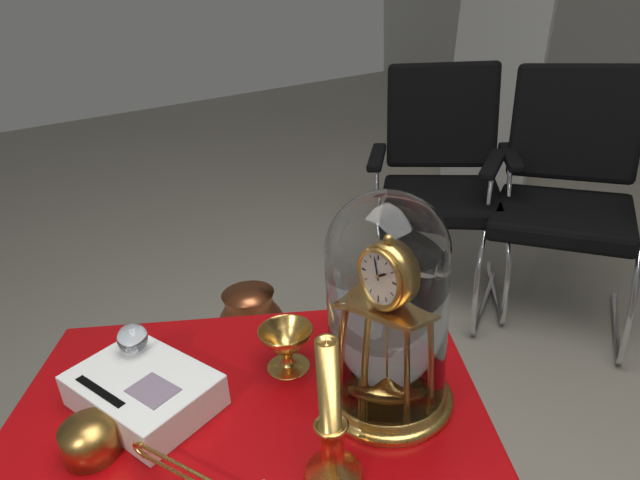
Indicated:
1.58
